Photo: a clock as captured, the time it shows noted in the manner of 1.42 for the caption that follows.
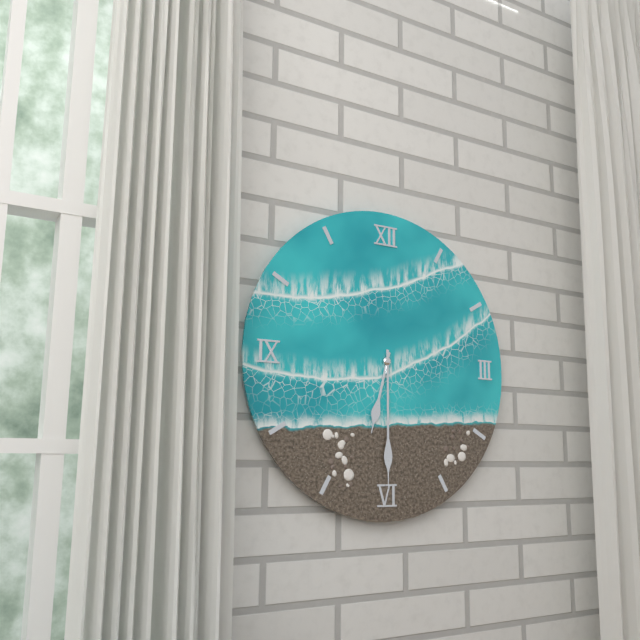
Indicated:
6.30
